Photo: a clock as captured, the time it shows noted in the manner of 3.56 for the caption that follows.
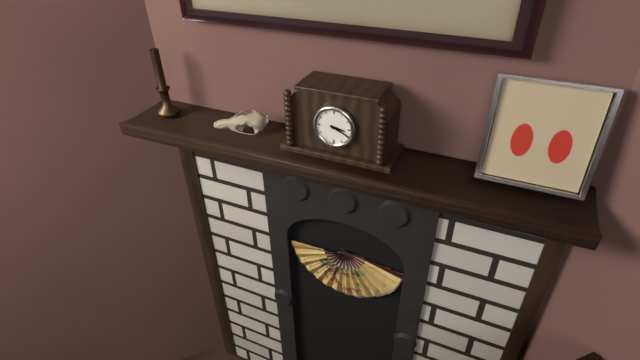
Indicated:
3.19
